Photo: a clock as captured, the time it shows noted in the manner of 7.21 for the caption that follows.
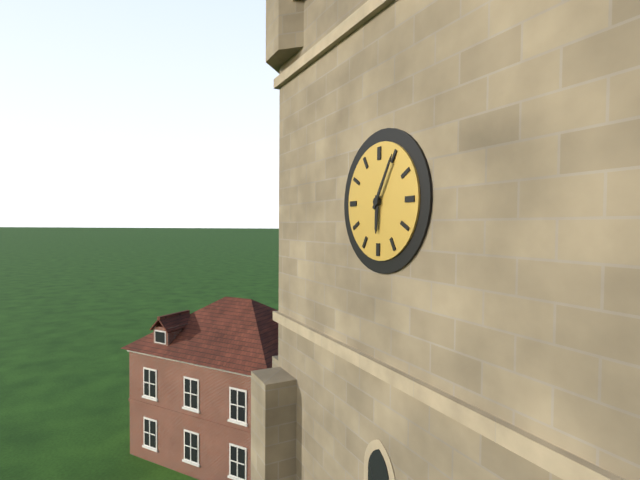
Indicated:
6.05
